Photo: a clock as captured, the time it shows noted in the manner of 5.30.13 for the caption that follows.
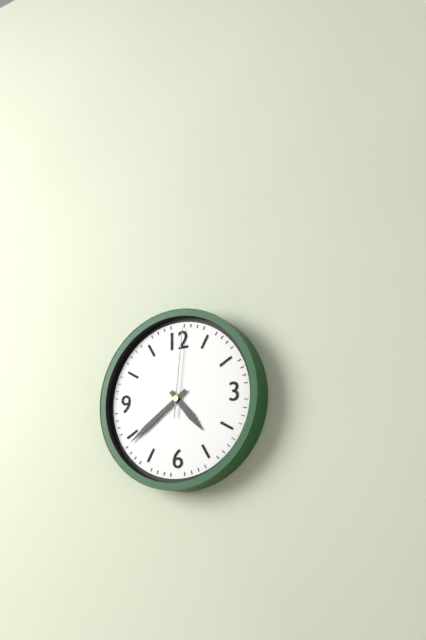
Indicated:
4.39.01
